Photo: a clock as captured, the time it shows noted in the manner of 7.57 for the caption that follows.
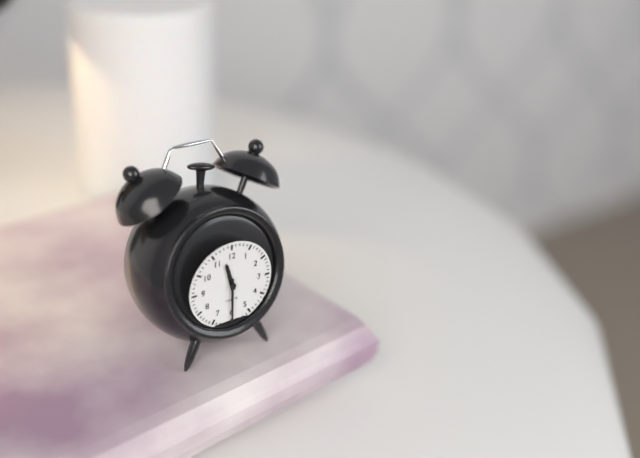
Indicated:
11.30
